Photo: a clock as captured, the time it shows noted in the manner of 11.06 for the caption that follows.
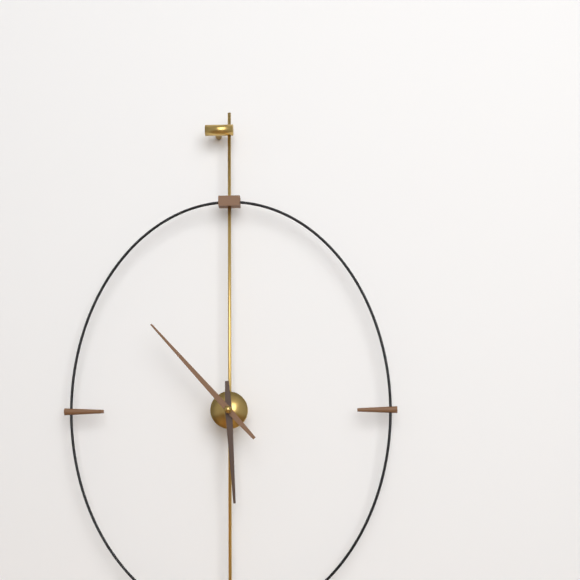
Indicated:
5.53
